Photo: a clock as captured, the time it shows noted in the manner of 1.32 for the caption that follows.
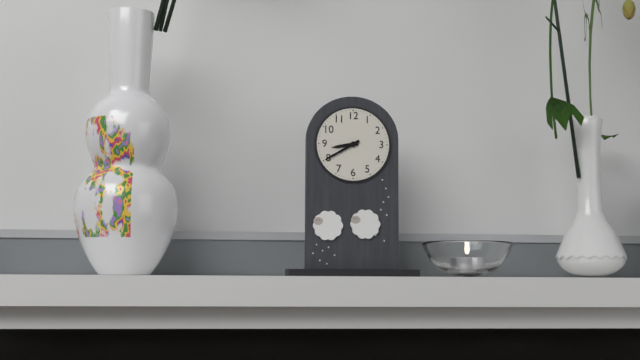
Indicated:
8.40
